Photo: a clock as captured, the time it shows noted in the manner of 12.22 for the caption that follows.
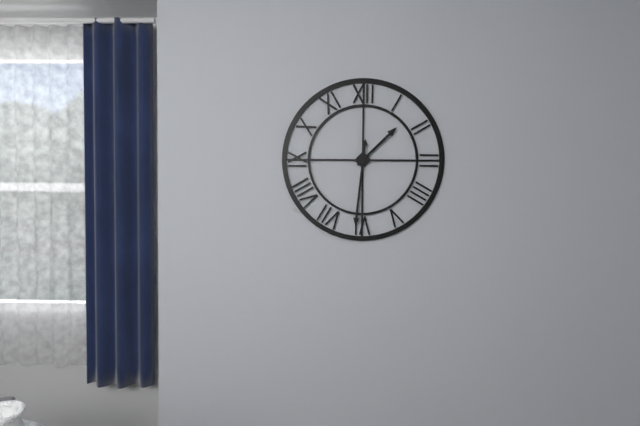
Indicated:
1.31
